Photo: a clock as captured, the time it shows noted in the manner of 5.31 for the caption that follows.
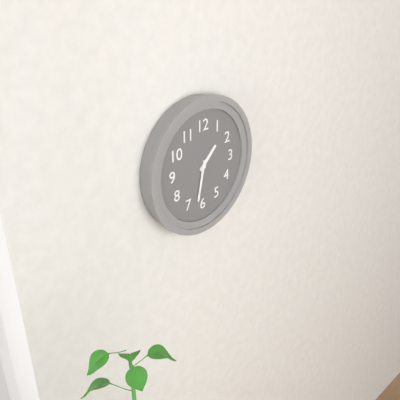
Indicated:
1.32
